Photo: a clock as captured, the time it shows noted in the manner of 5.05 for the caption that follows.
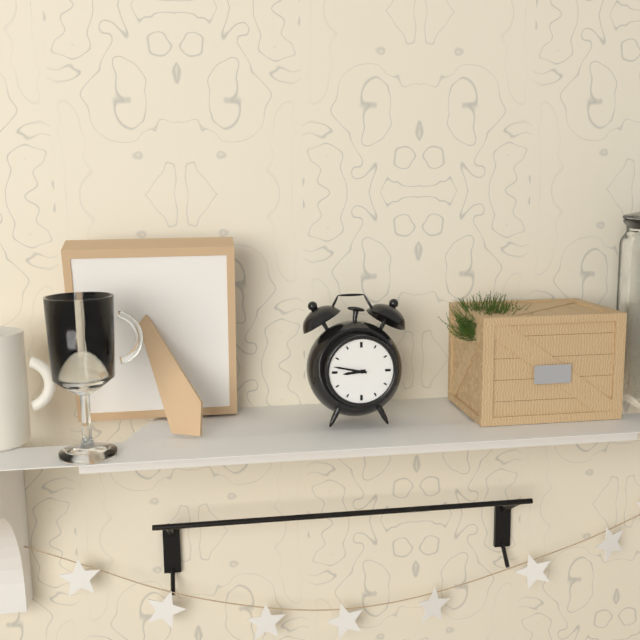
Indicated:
8.47
